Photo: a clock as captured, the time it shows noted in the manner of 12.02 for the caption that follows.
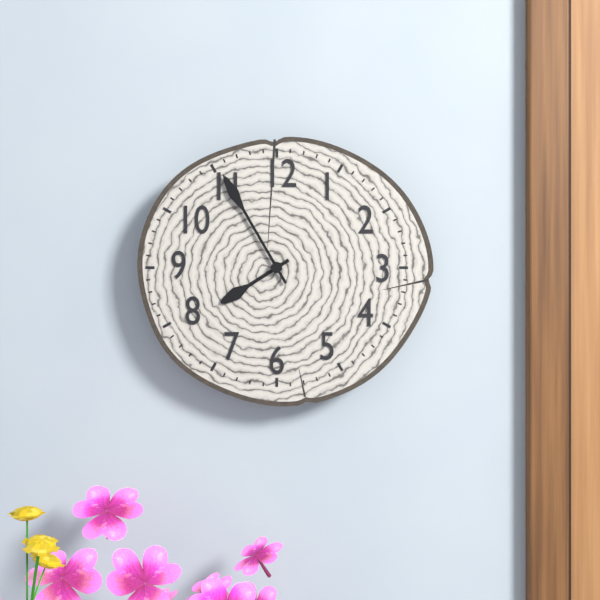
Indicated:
7.55
